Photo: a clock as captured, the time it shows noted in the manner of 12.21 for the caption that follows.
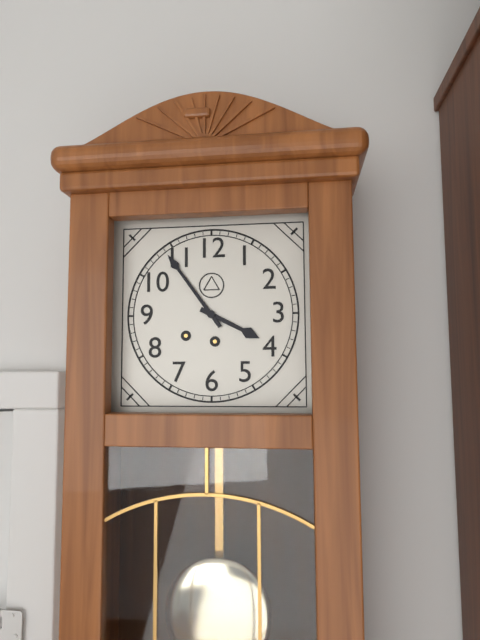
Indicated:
3.54
